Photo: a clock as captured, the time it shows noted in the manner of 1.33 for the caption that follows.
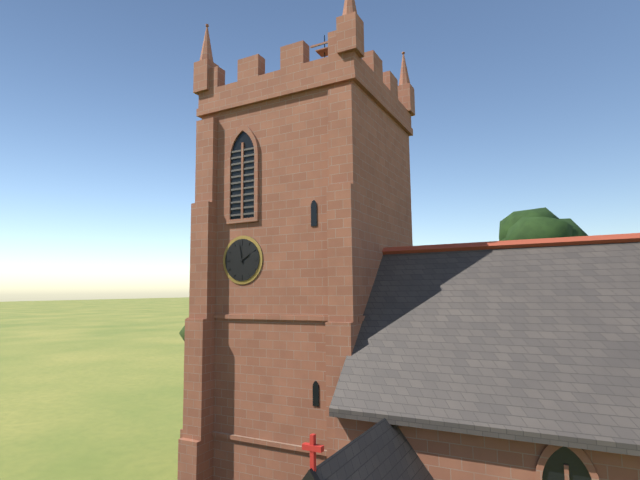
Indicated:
1.58
